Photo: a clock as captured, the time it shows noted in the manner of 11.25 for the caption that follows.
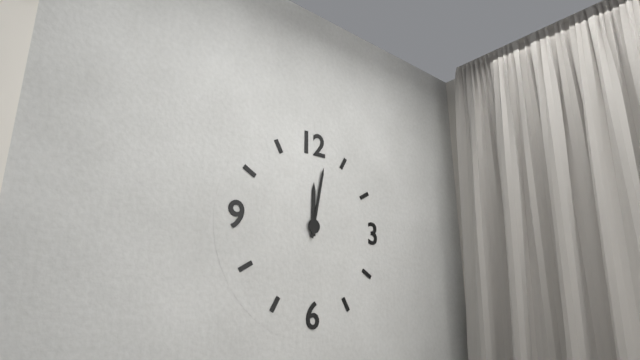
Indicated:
12.02
